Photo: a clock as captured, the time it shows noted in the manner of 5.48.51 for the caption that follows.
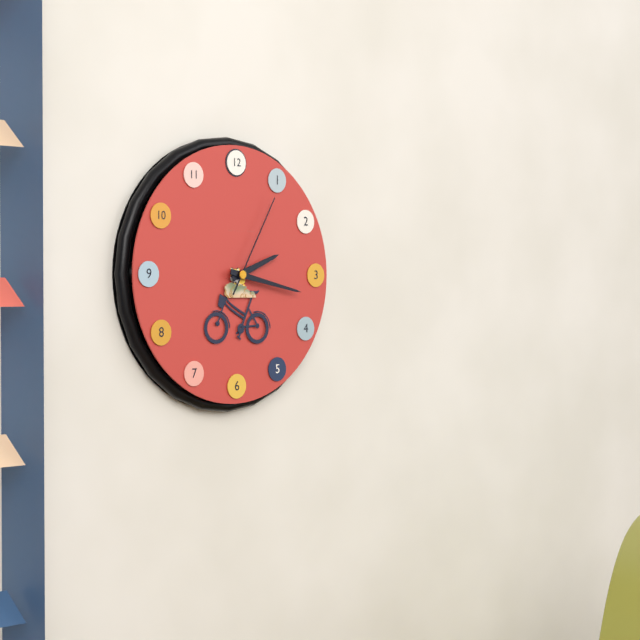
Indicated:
2.17.05
